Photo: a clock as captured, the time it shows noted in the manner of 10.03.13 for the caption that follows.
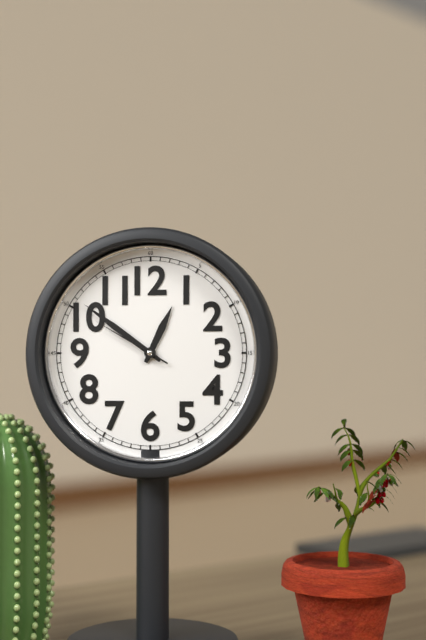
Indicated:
12.51.50
